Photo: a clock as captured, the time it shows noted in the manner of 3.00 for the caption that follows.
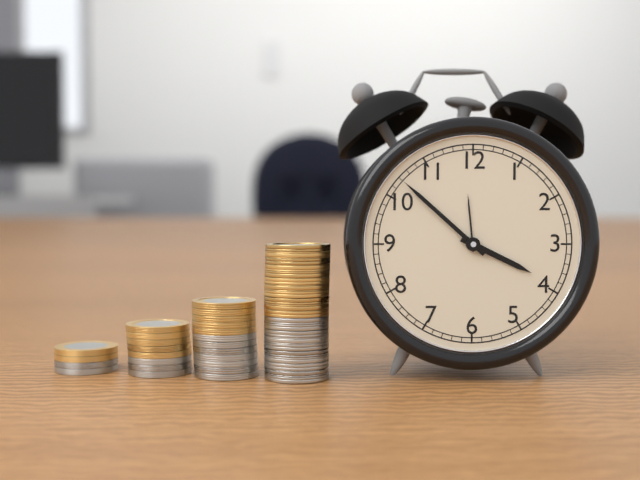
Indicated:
3.52
